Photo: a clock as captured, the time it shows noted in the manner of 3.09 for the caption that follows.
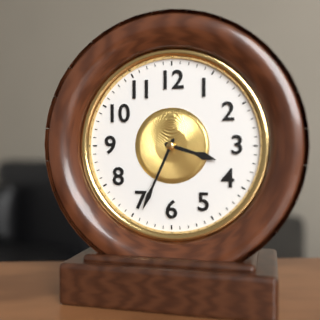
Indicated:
3.34
